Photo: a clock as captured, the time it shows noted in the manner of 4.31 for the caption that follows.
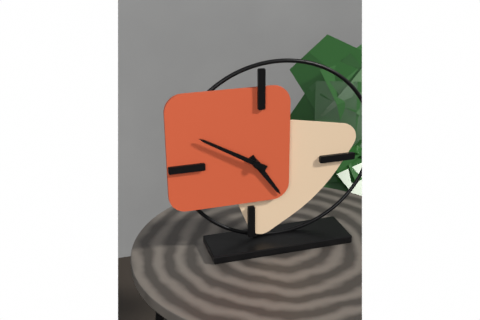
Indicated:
4.50
